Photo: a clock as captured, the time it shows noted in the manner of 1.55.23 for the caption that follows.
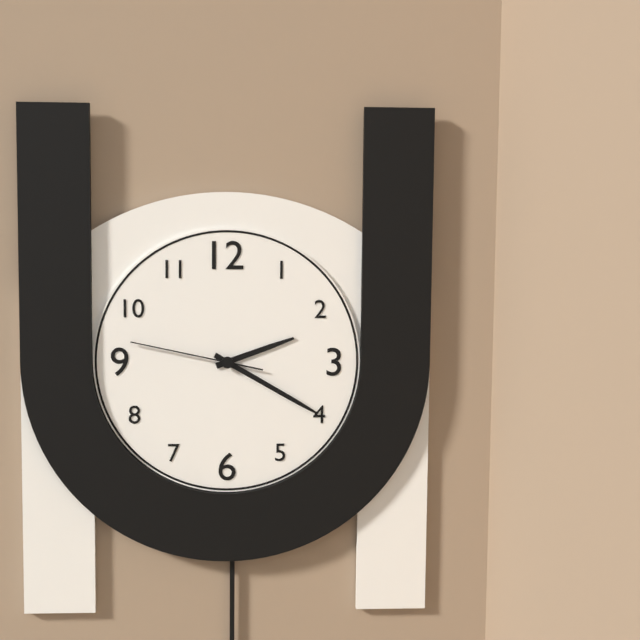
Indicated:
2.20.47
